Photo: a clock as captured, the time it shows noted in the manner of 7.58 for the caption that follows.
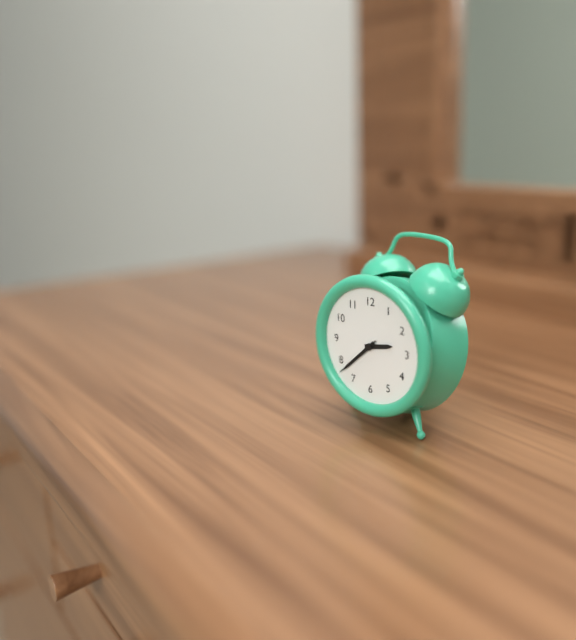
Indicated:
2.38
